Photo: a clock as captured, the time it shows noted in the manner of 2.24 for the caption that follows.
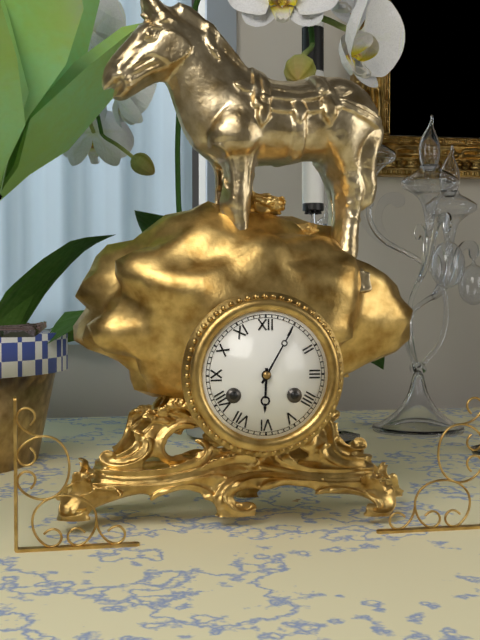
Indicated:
6.05
